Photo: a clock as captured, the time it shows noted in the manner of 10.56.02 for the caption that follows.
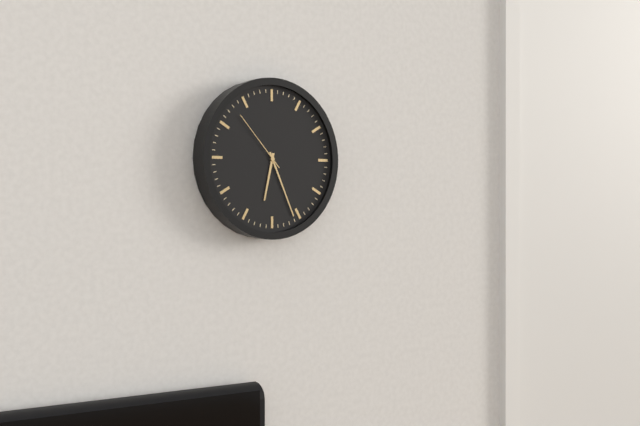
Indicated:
6.26.53
